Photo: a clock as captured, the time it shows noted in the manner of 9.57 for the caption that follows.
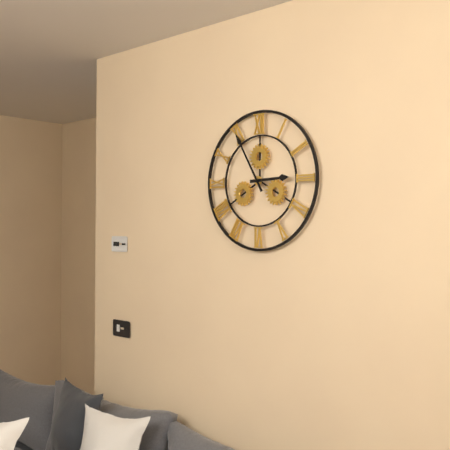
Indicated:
2.55
